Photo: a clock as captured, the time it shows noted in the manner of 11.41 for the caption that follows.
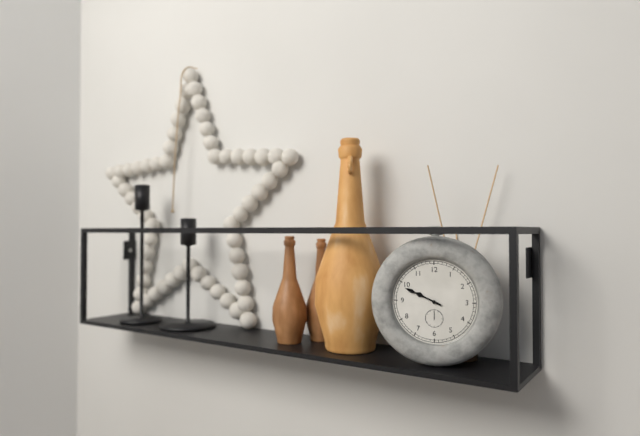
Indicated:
9.49
